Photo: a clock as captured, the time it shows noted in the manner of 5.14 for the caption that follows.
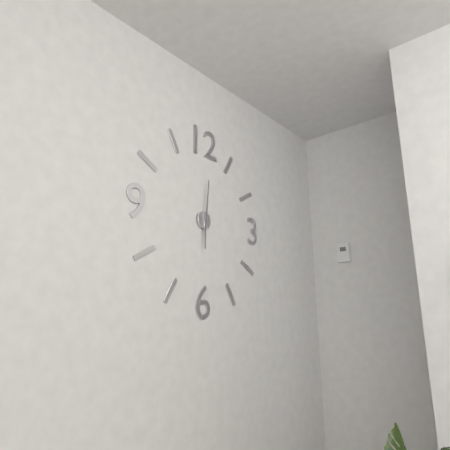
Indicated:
6.01
